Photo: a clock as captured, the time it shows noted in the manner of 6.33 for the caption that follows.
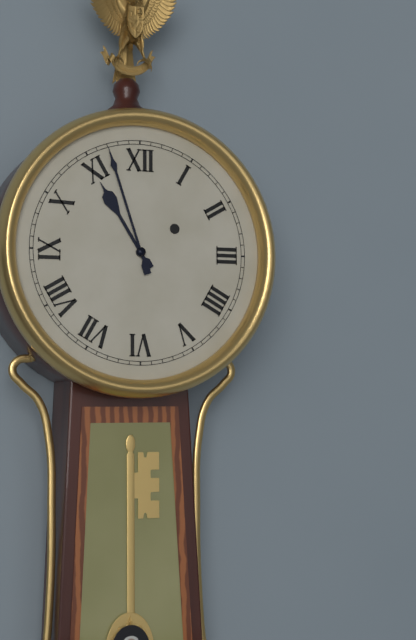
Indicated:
10.57
